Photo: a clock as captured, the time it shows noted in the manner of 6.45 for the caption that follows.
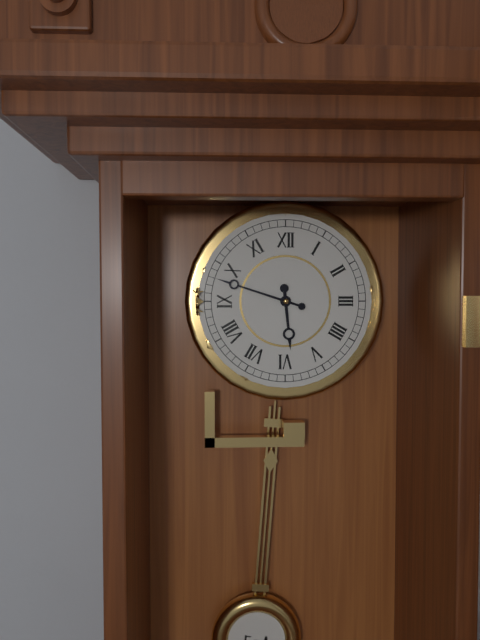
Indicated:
5.48
